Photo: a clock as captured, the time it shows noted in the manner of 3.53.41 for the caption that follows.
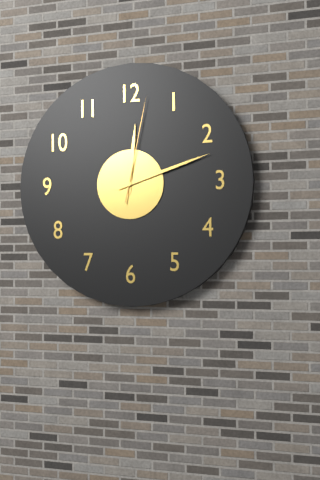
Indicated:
12.12.02
